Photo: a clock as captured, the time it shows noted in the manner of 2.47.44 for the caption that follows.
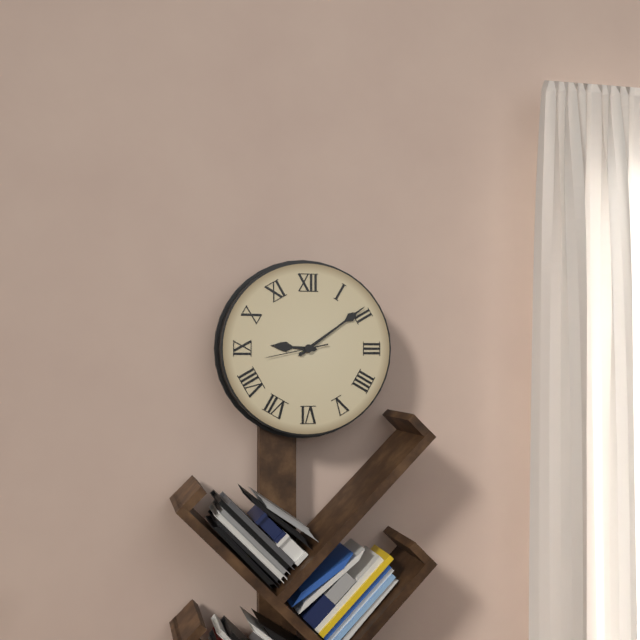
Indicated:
9.09.43
